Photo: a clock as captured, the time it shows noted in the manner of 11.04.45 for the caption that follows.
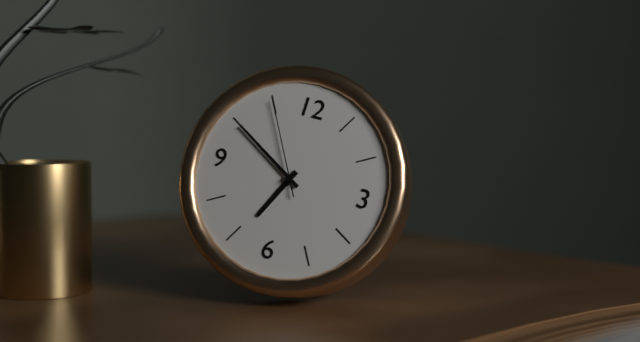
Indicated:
6.50.55
